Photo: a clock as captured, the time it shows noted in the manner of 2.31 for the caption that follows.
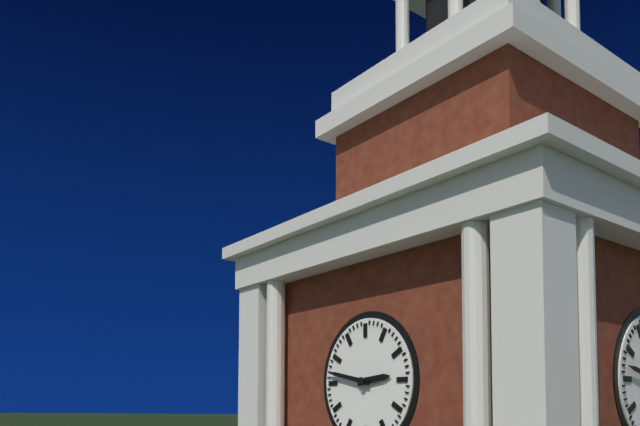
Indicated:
2.47
